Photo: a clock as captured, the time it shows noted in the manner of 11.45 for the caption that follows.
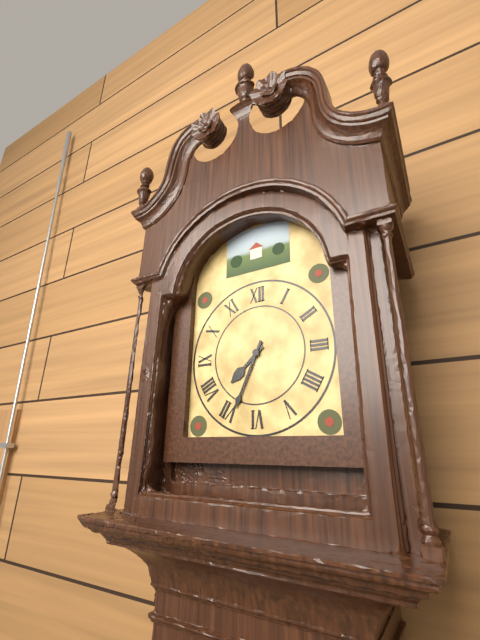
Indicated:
7.34
